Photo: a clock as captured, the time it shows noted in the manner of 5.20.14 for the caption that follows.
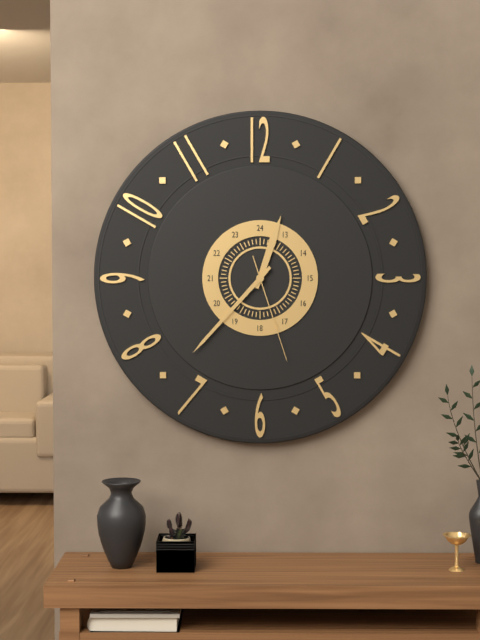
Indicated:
12.37.27
